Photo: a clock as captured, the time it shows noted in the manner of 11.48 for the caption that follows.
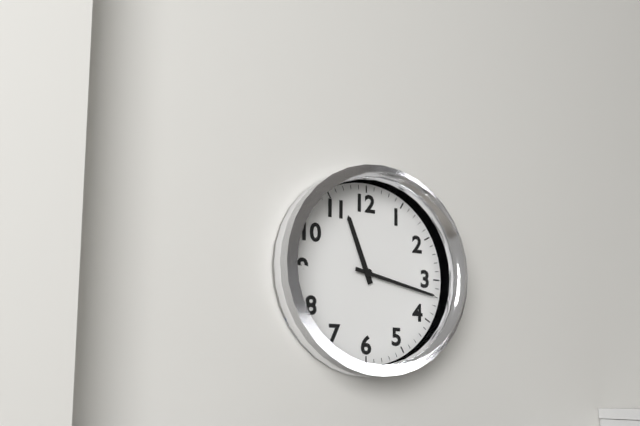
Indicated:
11.17
